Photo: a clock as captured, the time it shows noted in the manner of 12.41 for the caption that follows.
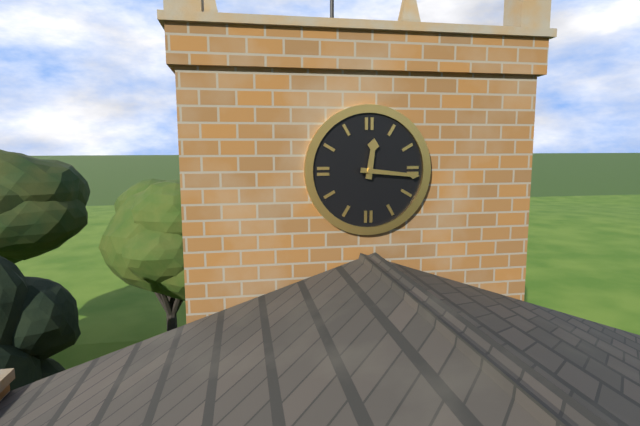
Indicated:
12.16
